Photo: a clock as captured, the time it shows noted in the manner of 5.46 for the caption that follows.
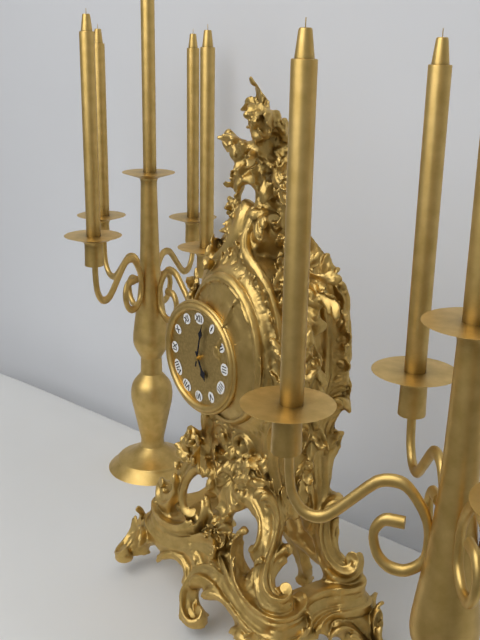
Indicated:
5.02
